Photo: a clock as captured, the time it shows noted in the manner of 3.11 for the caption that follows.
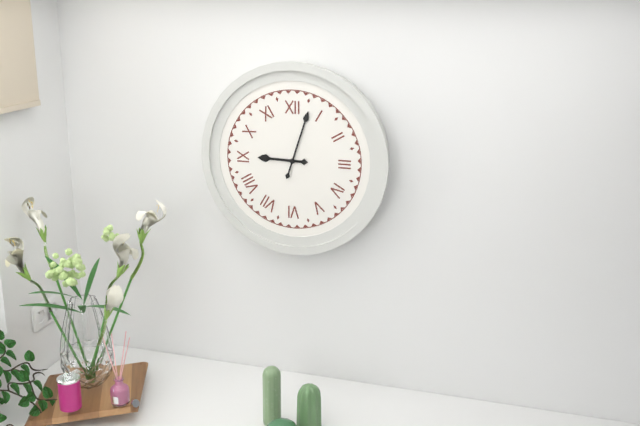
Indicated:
9.03
